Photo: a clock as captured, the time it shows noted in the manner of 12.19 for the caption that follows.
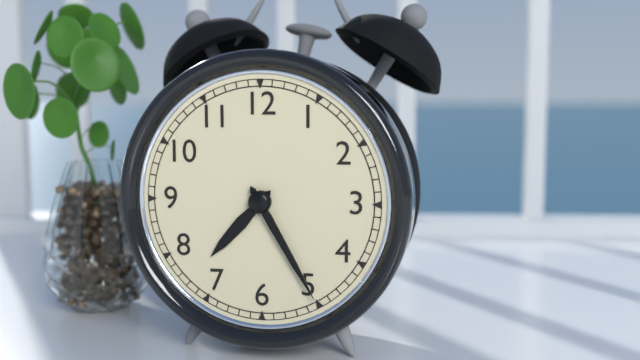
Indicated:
7.25
